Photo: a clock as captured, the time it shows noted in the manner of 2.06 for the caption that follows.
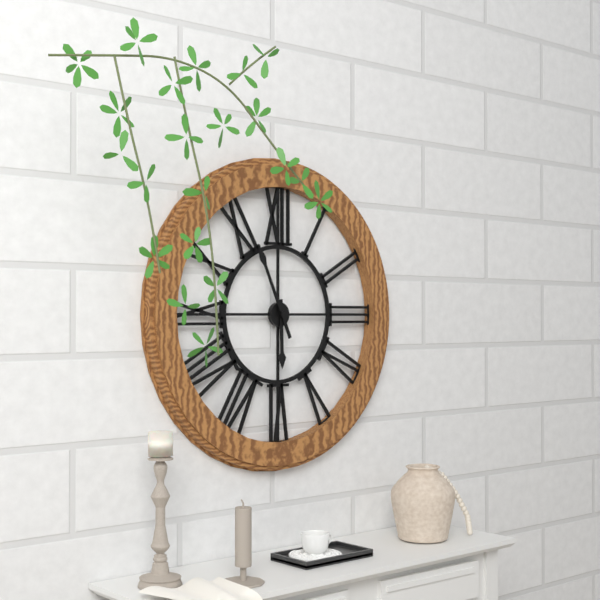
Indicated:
5.56
